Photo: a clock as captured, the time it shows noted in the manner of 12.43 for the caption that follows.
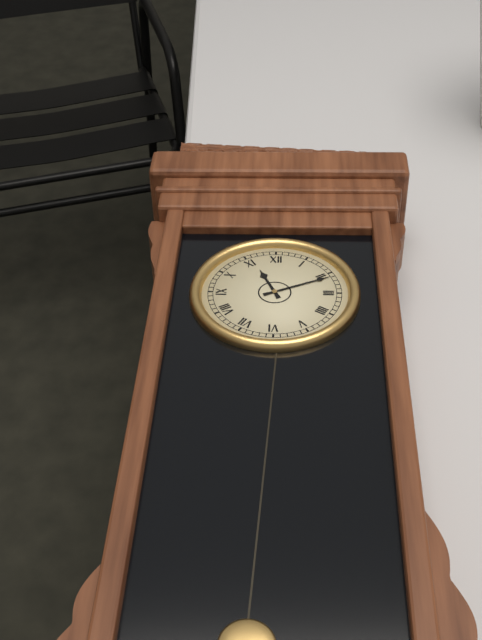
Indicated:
11.11
